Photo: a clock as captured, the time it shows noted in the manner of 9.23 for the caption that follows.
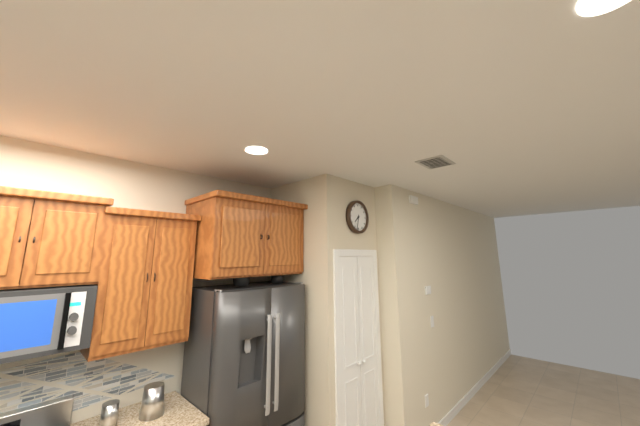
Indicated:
7.32
